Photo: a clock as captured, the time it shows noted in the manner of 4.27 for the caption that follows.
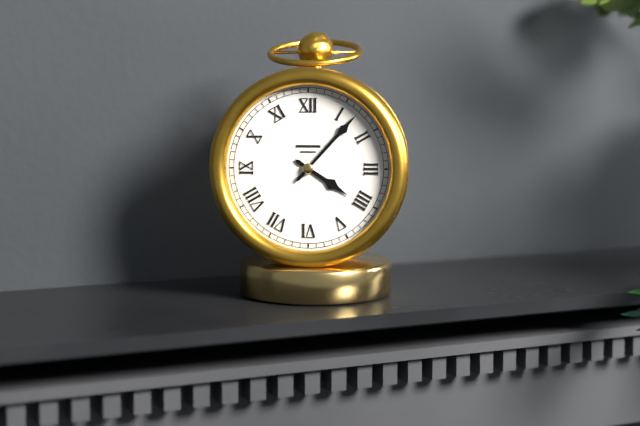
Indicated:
4.07
